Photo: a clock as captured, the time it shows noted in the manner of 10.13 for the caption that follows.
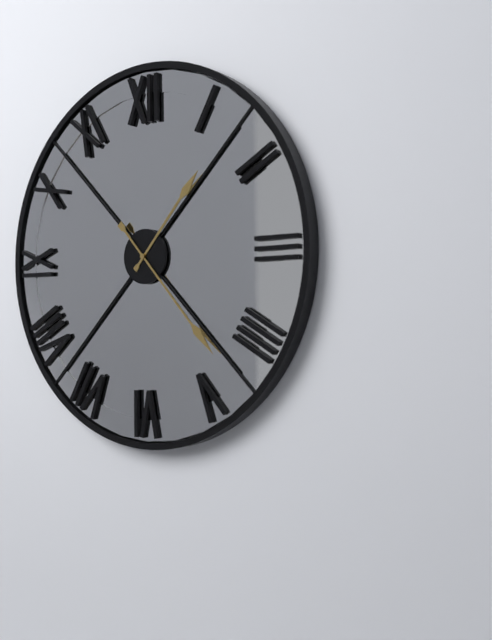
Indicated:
1.23
